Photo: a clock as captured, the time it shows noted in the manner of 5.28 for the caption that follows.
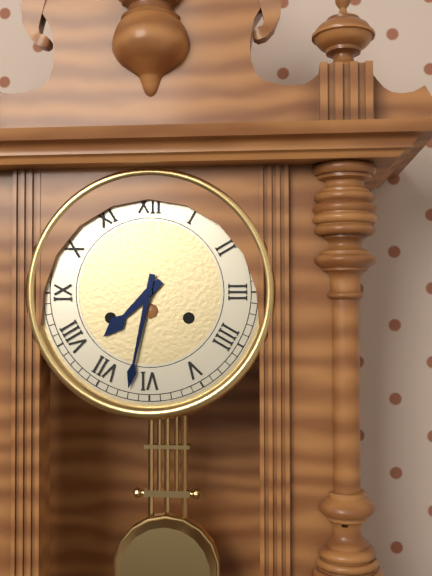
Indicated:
7.32
